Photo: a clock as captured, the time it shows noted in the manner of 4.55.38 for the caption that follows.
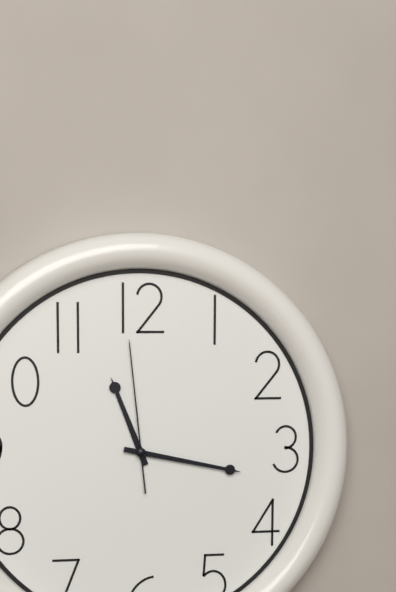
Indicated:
11.17.59
